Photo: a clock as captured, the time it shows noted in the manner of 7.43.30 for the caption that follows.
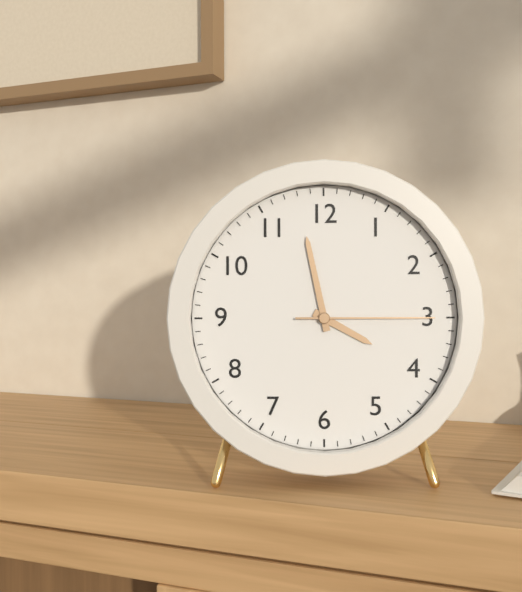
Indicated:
3.58.15
